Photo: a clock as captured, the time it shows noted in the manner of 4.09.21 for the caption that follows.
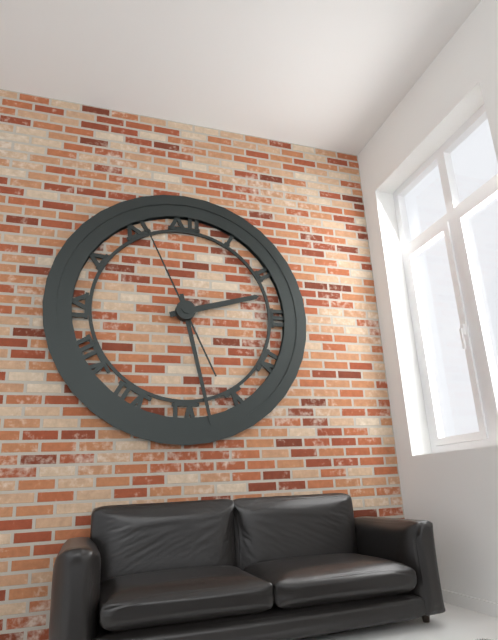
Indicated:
2.28.56
